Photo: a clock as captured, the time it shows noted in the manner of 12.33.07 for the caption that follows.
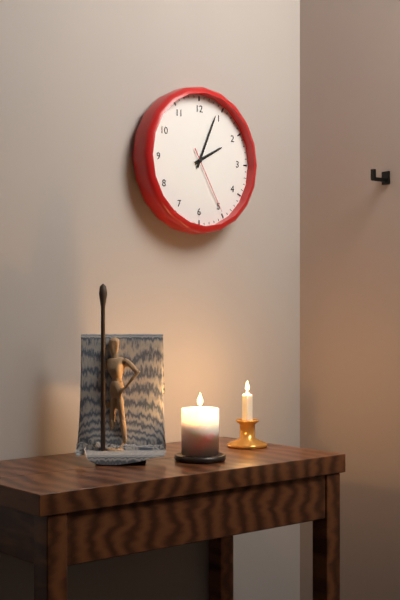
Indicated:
2.04.25
